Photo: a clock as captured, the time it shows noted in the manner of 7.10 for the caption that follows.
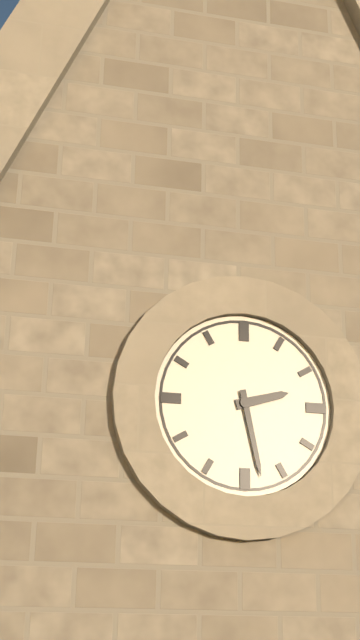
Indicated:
2.28
